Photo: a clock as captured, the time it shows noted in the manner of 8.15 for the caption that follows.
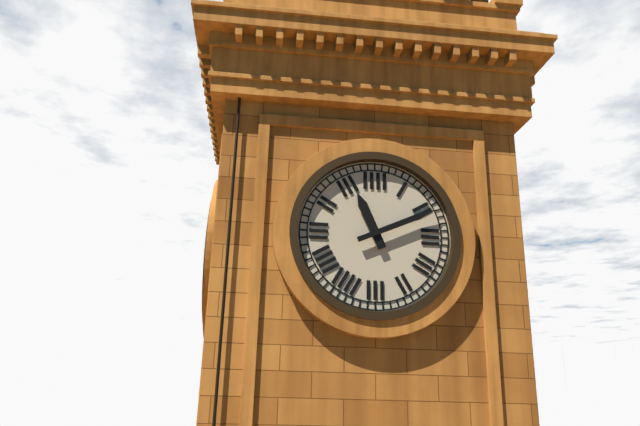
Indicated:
11.11
